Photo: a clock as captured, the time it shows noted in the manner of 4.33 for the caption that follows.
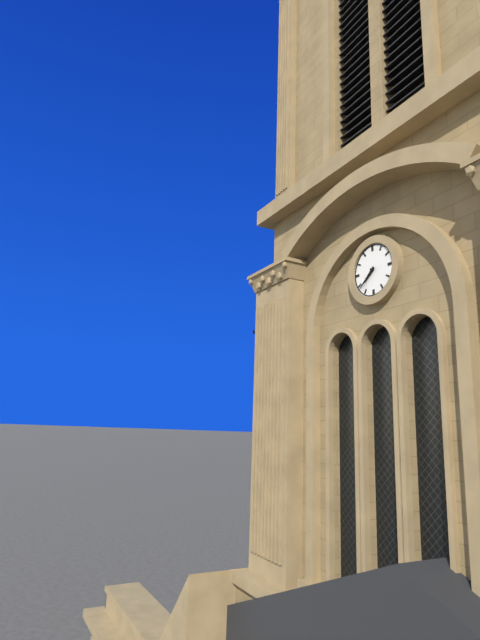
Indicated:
7.38
